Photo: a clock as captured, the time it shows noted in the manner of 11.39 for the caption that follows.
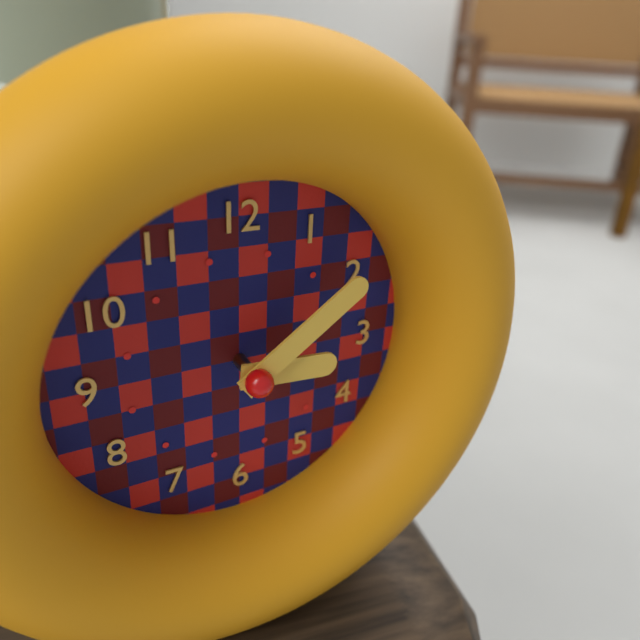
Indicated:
3.09
